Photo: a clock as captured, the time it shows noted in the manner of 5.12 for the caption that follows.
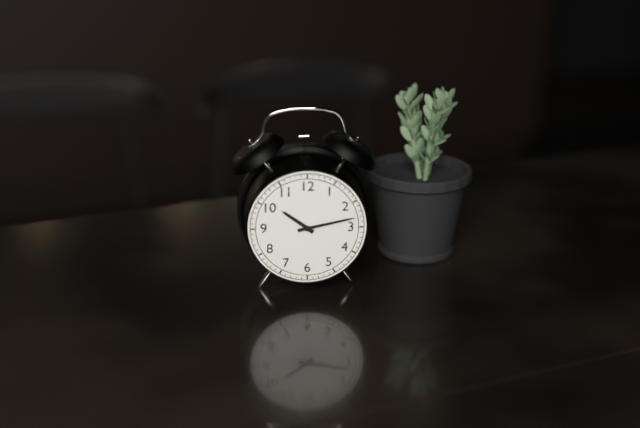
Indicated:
10.13
